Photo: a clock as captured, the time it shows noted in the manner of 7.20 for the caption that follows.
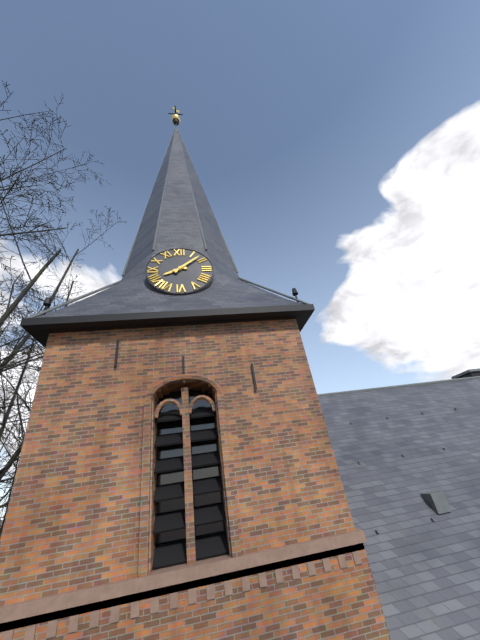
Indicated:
8.08
